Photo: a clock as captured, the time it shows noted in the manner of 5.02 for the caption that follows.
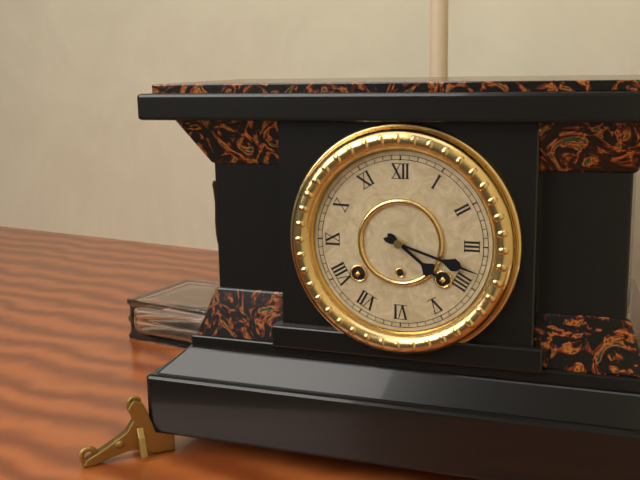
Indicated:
4.18
